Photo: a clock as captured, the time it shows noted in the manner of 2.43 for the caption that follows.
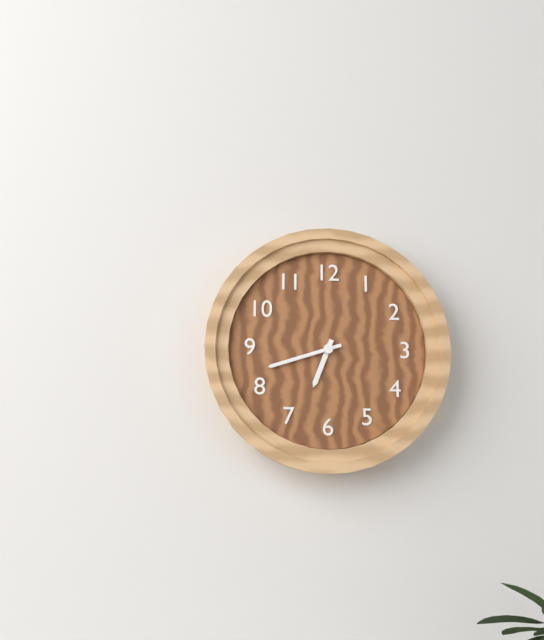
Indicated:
6.42
